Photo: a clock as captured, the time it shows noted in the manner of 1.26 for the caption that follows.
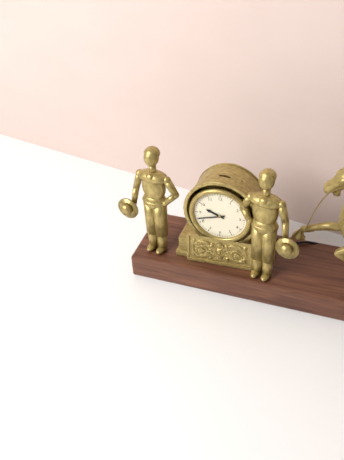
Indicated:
9.42
